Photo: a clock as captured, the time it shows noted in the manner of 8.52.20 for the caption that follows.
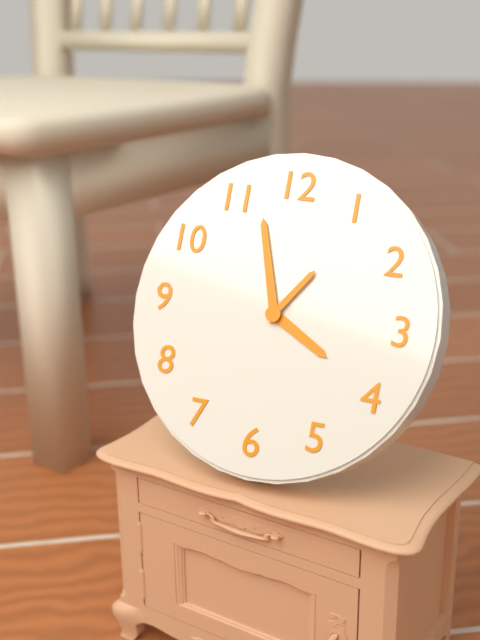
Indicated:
3.57.06
